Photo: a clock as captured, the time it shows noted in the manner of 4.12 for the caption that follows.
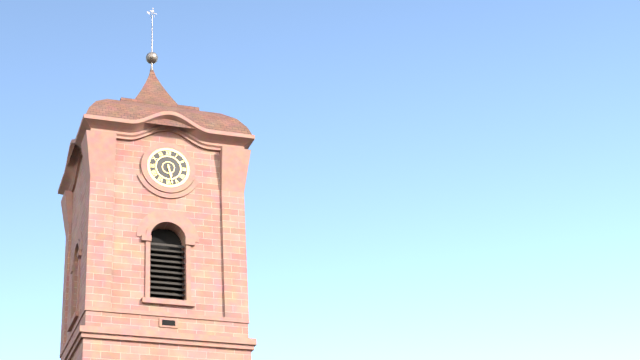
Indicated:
5.28
